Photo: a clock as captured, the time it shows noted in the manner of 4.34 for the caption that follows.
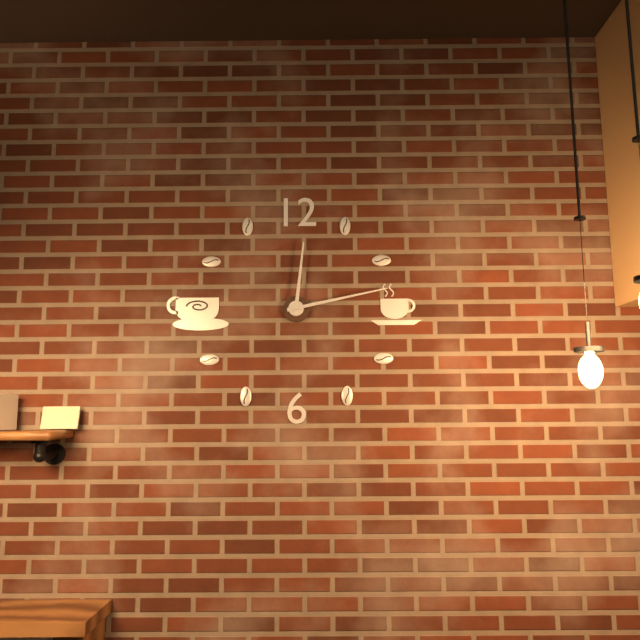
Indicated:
12.13
